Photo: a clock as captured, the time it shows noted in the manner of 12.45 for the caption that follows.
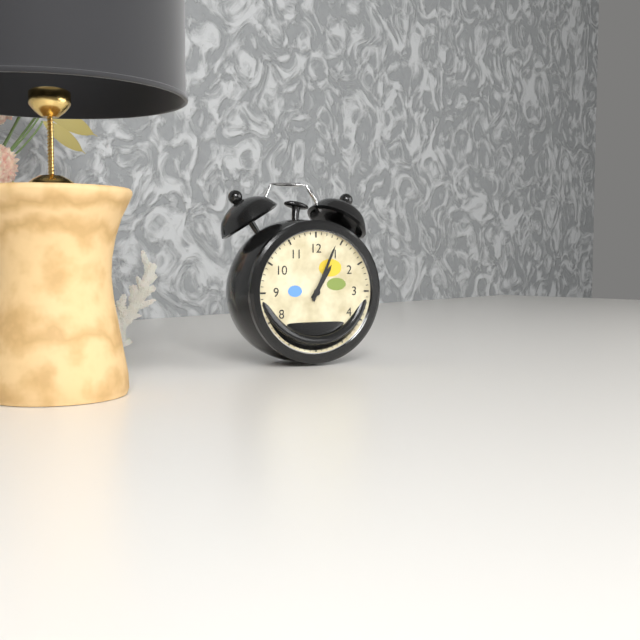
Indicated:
1.04
